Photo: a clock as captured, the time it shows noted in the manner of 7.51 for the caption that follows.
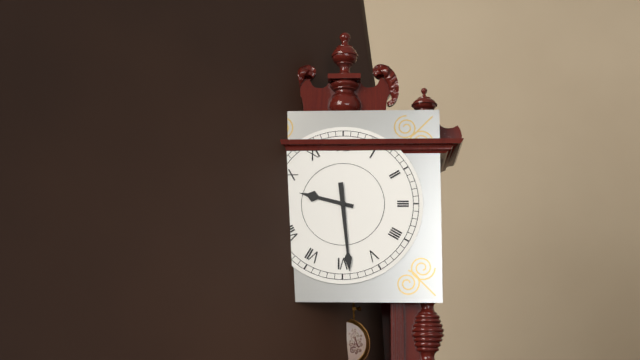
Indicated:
9.29
